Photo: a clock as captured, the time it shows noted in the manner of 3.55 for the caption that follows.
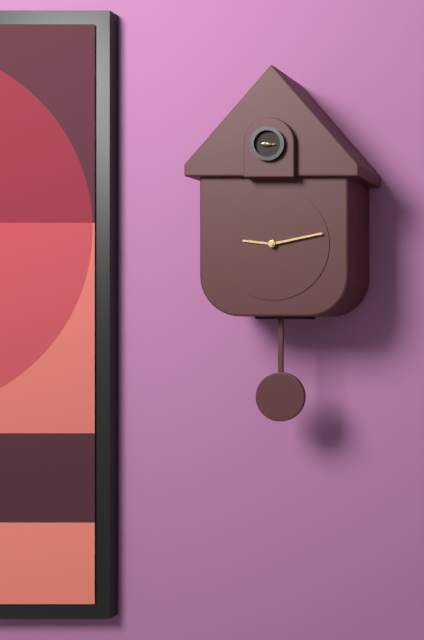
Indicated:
9.13
